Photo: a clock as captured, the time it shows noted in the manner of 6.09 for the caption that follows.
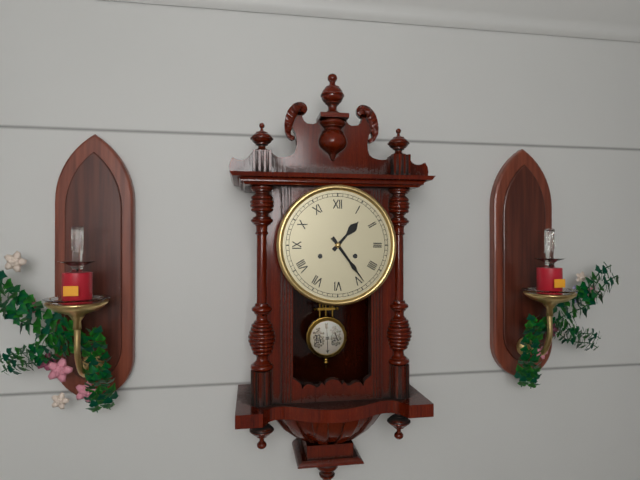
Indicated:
1.24
